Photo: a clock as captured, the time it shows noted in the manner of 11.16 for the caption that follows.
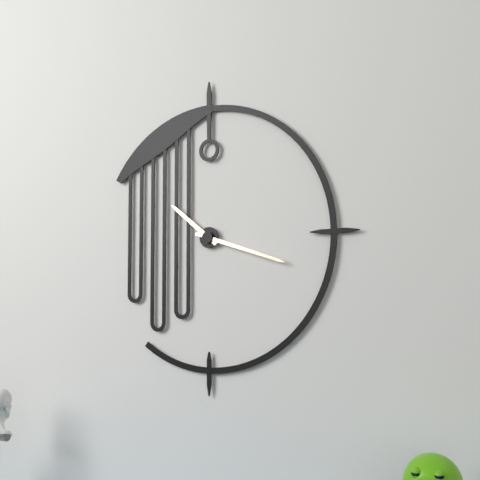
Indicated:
10.18
